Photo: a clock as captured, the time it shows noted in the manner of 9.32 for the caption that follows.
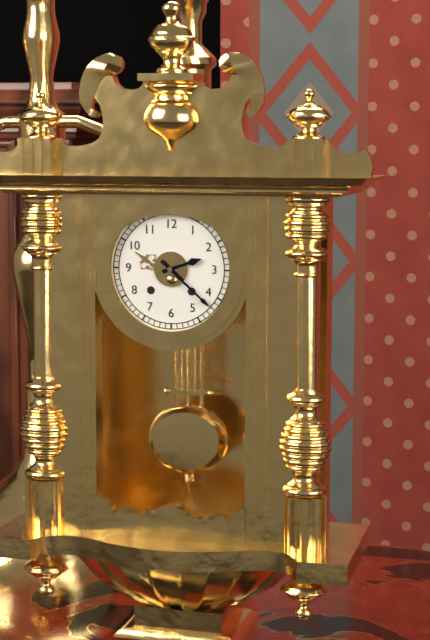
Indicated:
2.22
